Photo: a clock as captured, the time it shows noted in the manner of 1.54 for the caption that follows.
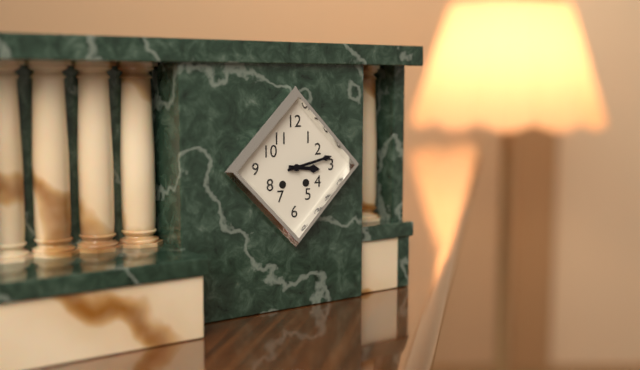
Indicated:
3.13
